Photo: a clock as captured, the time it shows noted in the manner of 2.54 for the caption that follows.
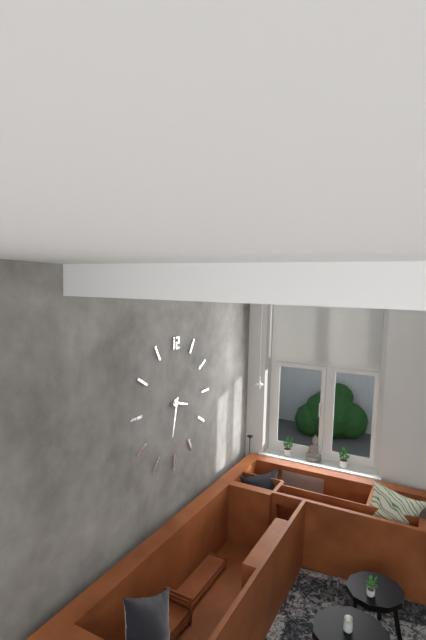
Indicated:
3.32
